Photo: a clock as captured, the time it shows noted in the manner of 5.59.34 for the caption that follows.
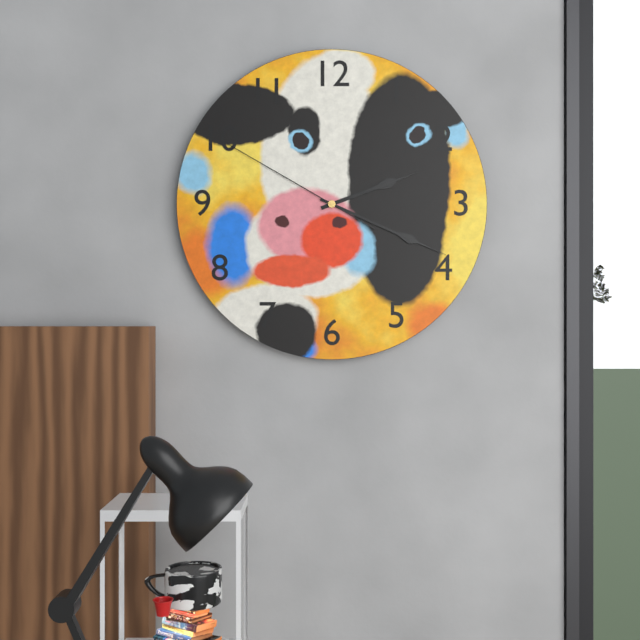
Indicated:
2.19.50
